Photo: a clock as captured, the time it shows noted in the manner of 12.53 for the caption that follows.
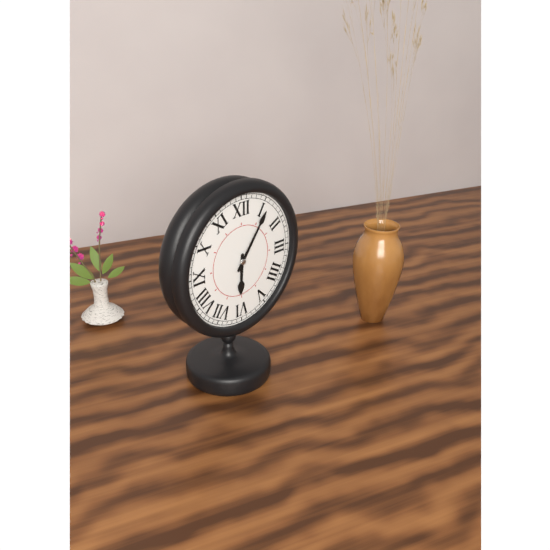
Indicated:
6.06
